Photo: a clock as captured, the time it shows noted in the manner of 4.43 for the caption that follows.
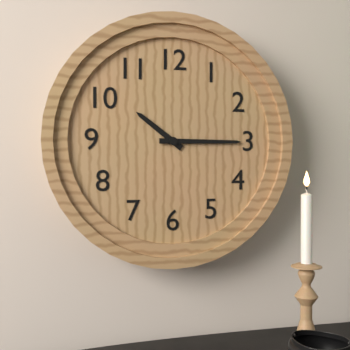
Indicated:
10.15
